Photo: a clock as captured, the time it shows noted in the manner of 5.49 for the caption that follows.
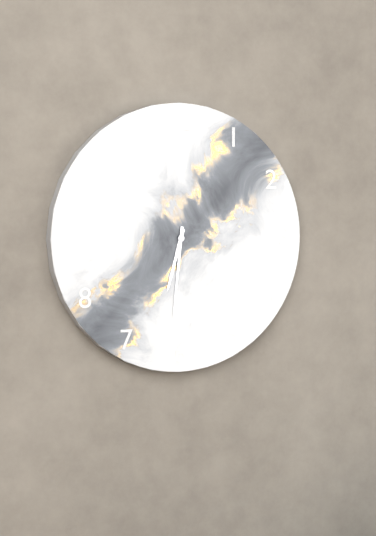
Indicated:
6.31
